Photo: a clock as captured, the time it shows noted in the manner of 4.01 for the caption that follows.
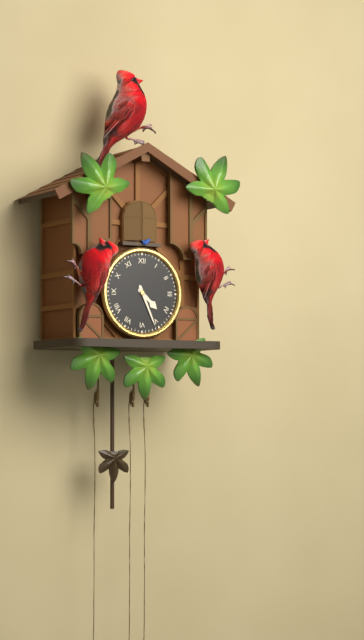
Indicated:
4.26
